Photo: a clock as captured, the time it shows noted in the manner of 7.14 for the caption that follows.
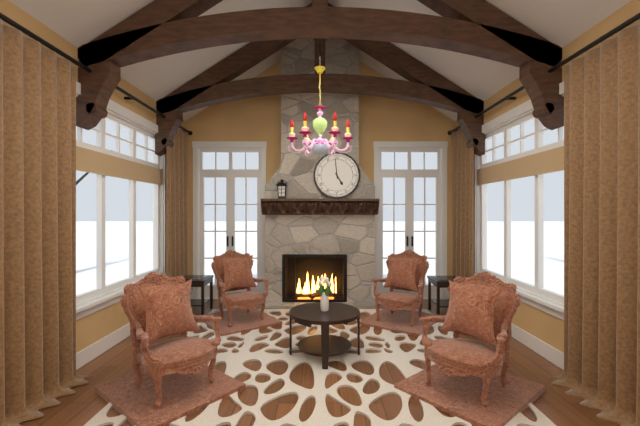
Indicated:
4.59
